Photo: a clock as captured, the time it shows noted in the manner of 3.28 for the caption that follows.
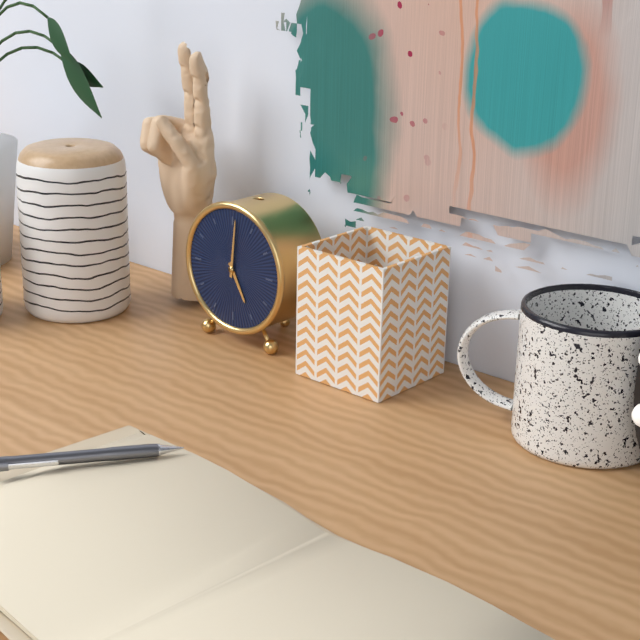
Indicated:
5.01
